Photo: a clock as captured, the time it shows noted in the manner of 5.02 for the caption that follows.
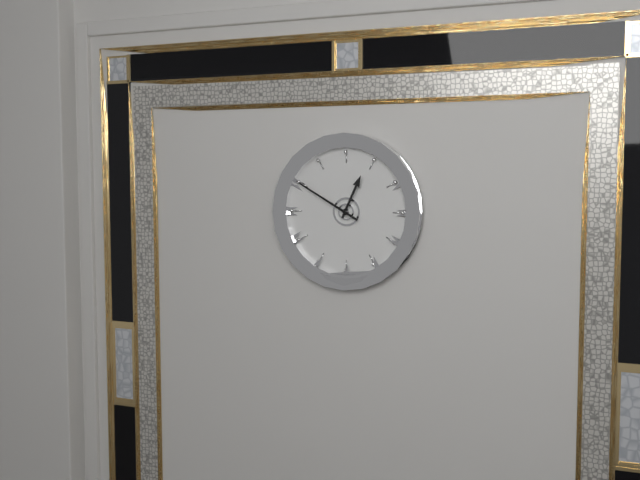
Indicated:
12.50
